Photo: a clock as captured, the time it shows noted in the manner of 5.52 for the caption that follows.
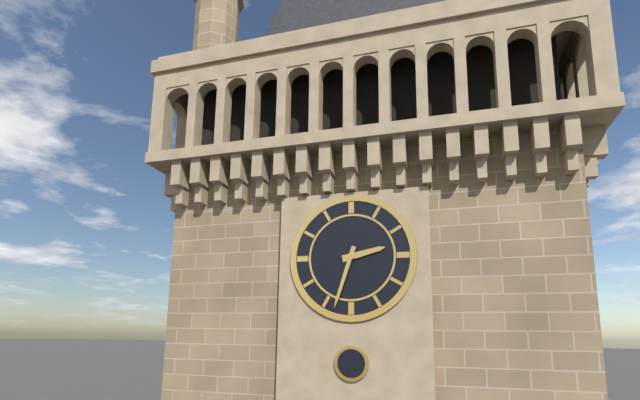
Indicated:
2.33
